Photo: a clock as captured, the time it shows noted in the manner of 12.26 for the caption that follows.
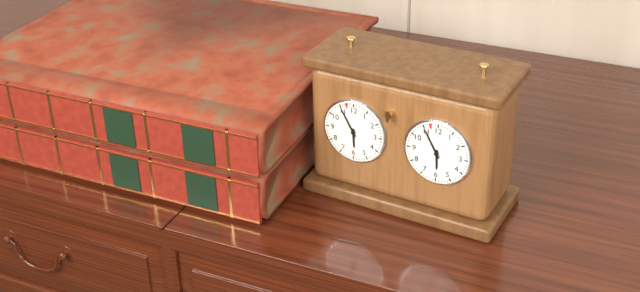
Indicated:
5.55
